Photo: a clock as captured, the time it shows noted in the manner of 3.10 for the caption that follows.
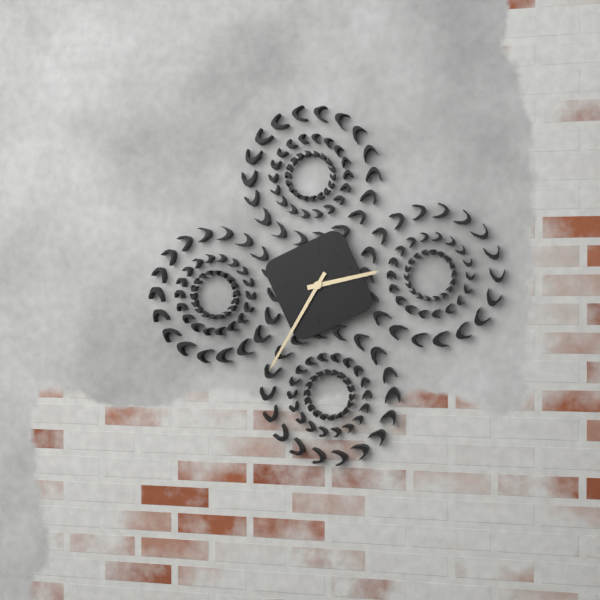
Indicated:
2.35
